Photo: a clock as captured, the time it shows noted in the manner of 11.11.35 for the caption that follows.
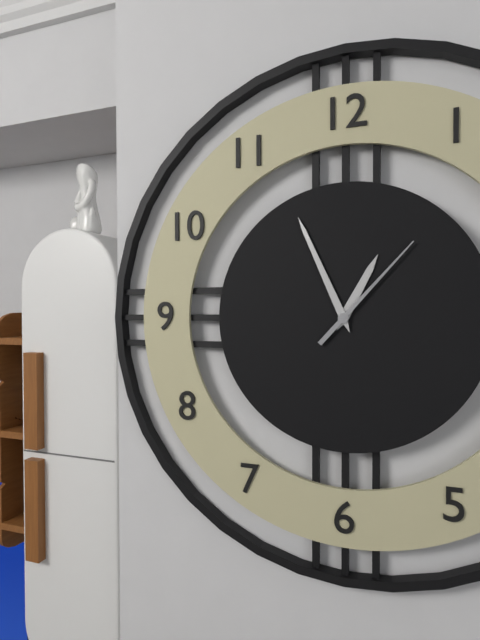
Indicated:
12.56.07
